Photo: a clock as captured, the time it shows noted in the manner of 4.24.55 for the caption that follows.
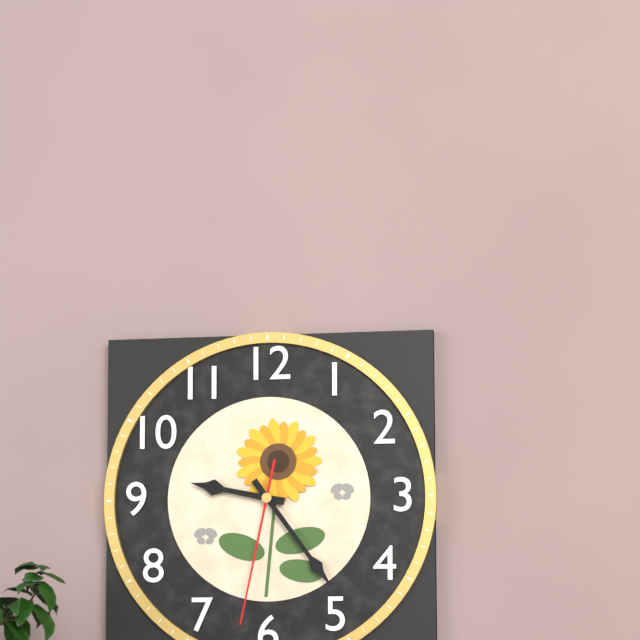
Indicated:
9.24.32
